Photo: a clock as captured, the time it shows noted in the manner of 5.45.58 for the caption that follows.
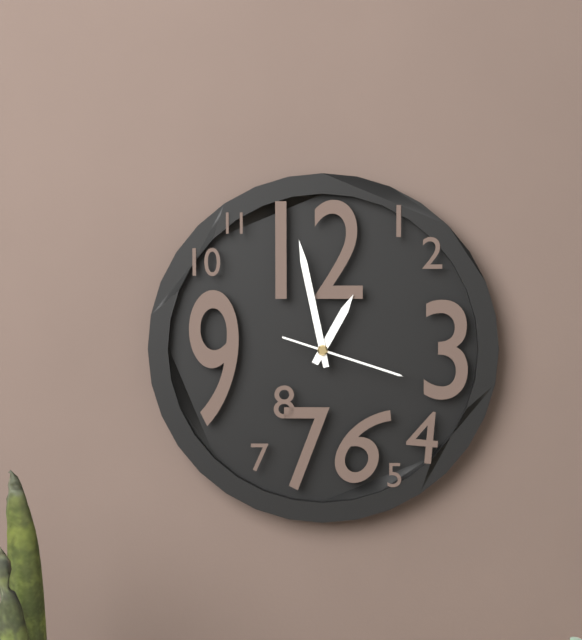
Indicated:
12.58.18
